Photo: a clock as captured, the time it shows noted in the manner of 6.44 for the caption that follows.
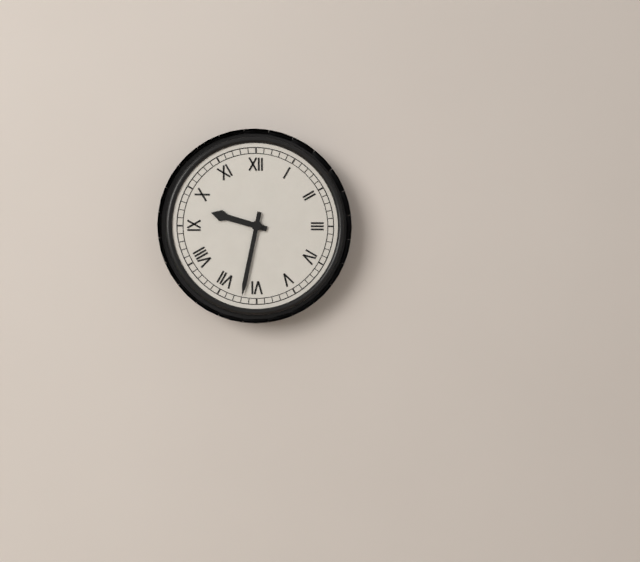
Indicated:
9.32
